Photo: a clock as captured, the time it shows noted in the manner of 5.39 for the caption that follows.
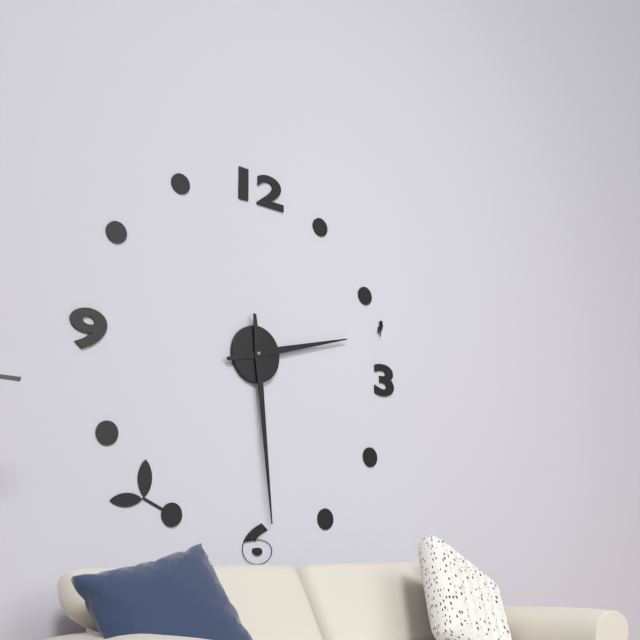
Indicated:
2.29
